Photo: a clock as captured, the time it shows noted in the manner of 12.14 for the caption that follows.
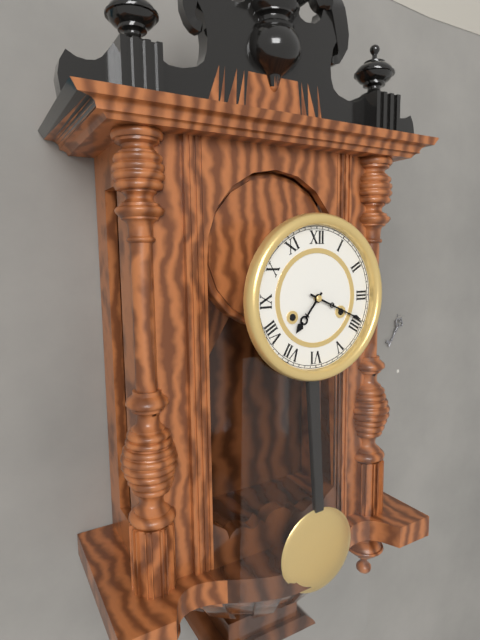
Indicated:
7.19
